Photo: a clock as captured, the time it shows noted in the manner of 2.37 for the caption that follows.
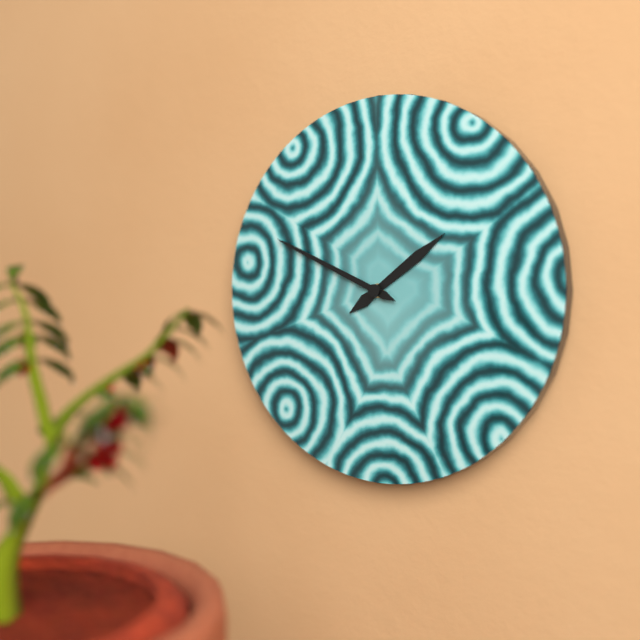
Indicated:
1.49
